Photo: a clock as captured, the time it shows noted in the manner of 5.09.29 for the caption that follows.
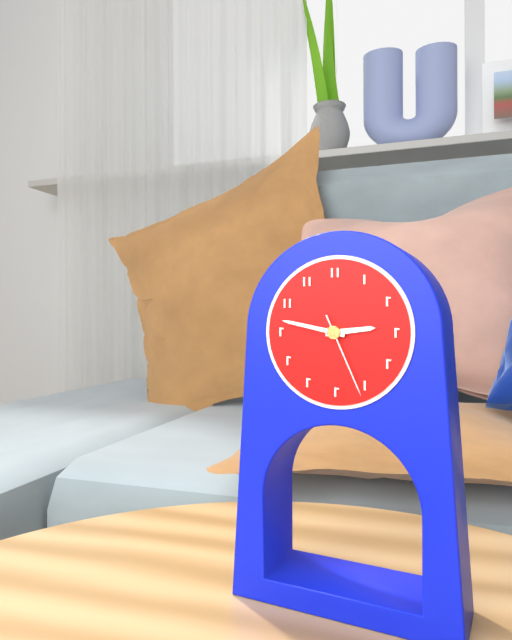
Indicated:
2.47.26
